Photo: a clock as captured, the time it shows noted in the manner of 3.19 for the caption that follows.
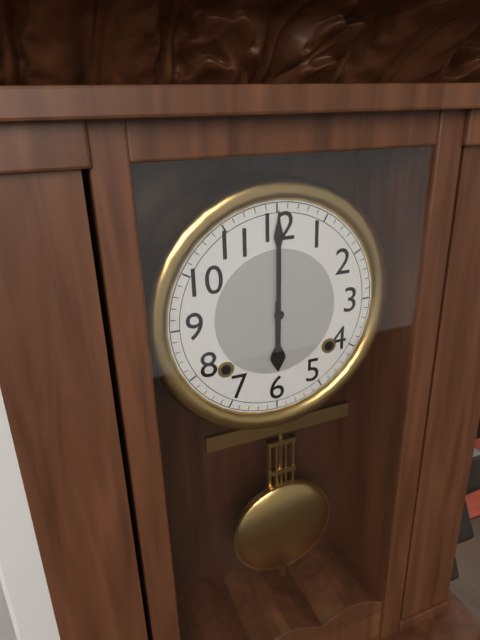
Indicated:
6.00
